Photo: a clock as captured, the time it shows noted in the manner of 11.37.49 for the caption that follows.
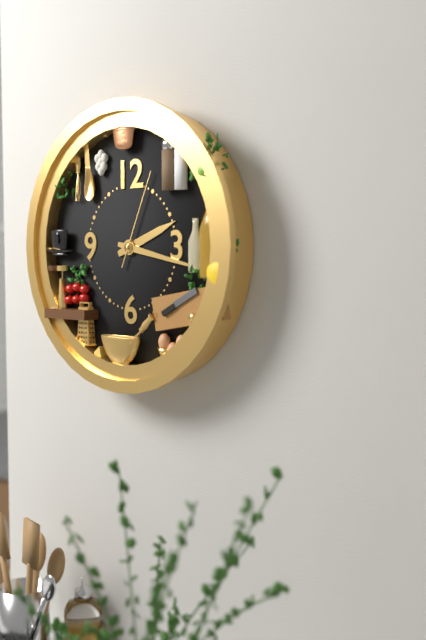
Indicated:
2.17.04
